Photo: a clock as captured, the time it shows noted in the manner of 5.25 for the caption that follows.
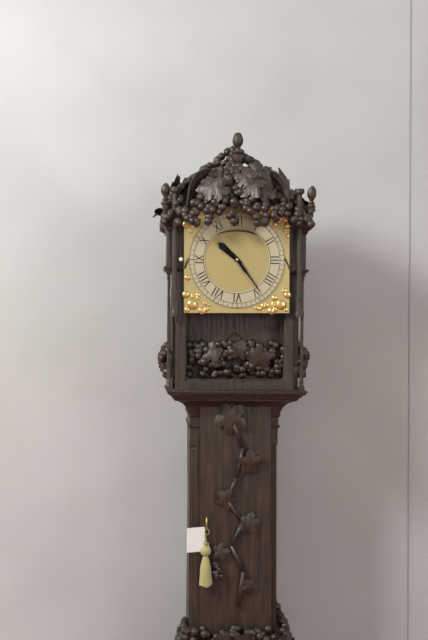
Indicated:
10.24
